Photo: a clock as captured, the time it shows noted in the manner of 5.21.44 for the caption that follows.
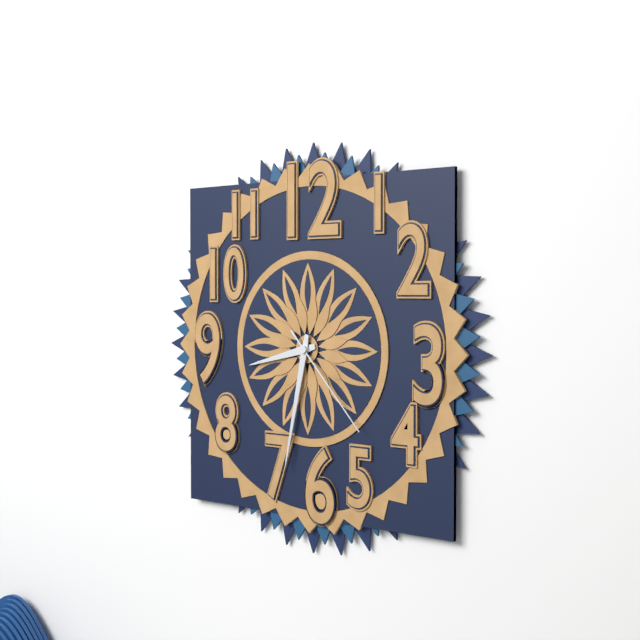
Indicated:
8.32.23
